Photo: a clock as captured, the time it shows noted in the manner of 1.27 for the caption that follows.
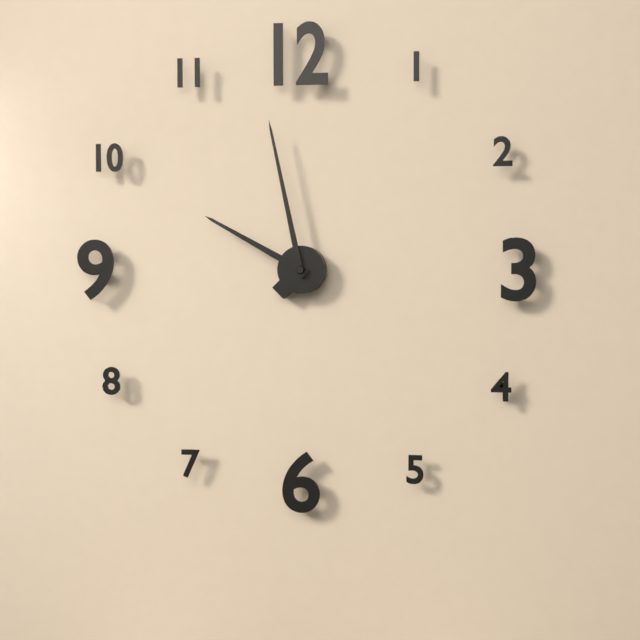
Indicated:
9.58
